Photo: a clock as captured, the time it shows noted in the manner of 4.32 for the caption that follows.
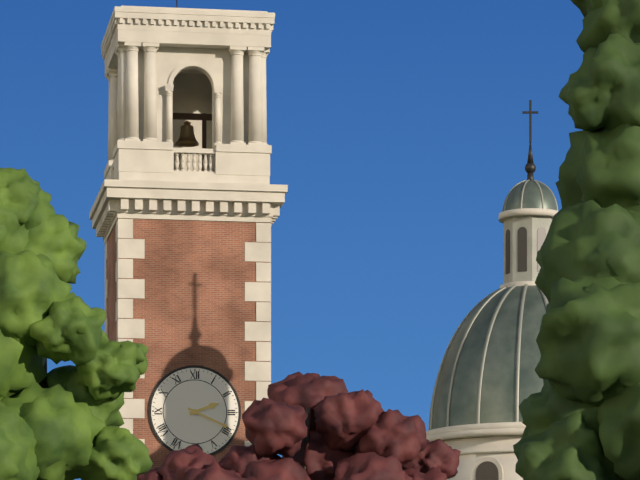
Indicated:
2.19
